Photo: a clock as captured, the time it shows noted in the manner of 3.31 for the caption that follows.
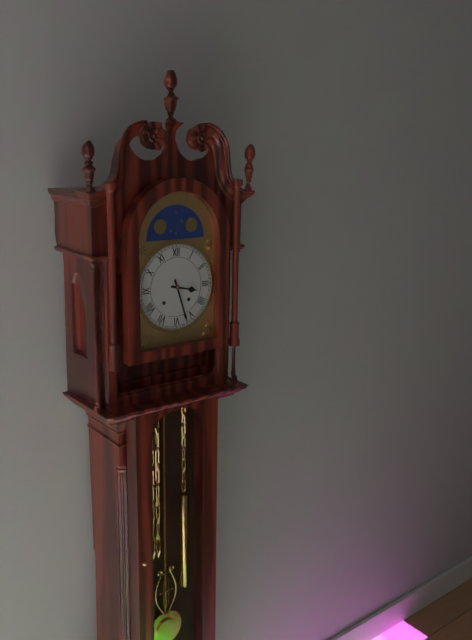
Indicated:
3.27
